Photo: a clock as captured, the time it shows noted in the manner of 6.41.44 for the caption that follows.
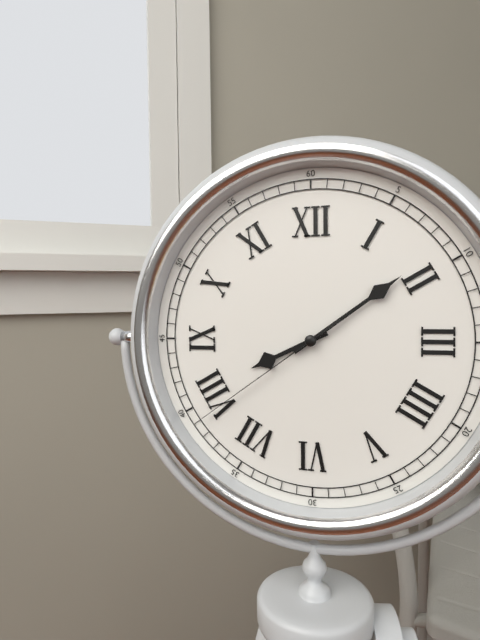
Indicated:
8.09.39
